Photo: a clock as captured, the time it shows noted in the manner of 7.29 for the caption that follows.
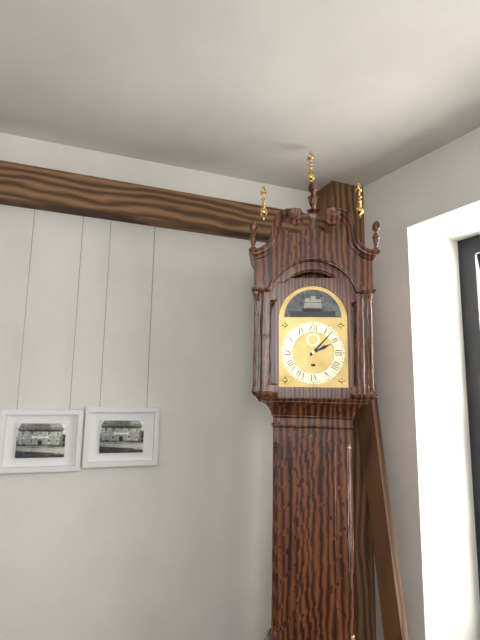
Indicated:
2.07
